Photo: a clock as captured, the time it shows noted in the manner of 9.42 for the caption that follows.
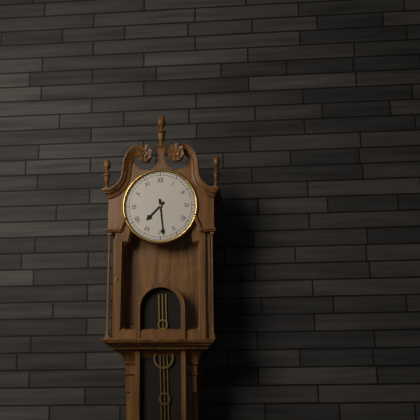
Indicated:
7.29
